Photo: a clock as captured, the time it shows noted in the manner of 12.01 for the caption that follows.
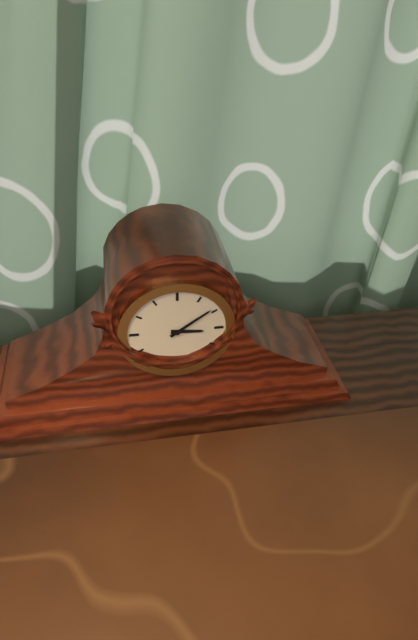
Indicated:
3.09
